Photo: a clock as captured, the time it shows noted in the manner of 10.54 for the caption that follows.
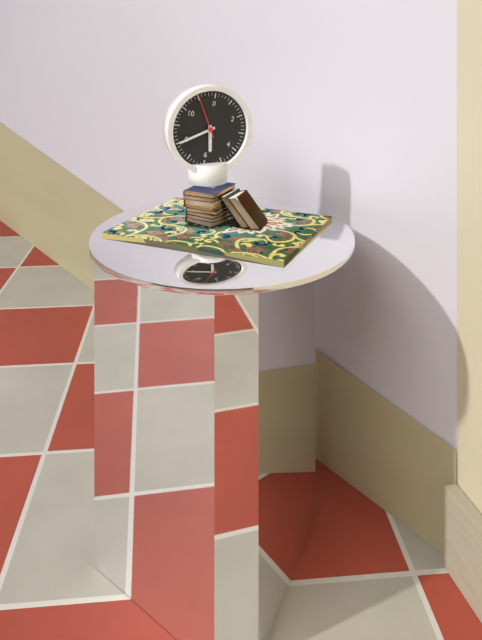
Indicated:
5.40
